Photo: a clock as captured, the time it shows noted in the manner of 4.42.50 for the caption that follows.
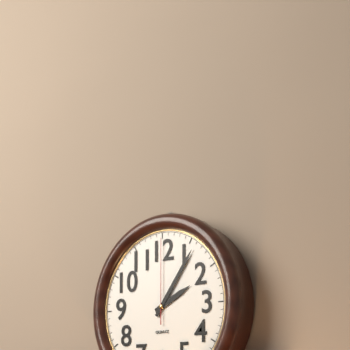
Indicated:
2.06.00
